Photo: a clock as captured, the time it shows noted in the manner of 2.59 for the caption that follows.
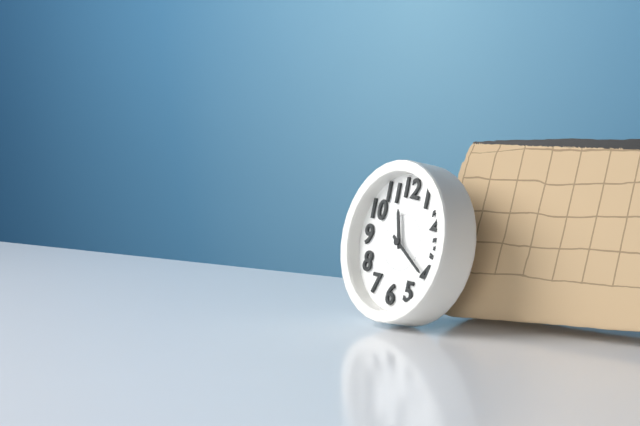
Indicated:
11.20
